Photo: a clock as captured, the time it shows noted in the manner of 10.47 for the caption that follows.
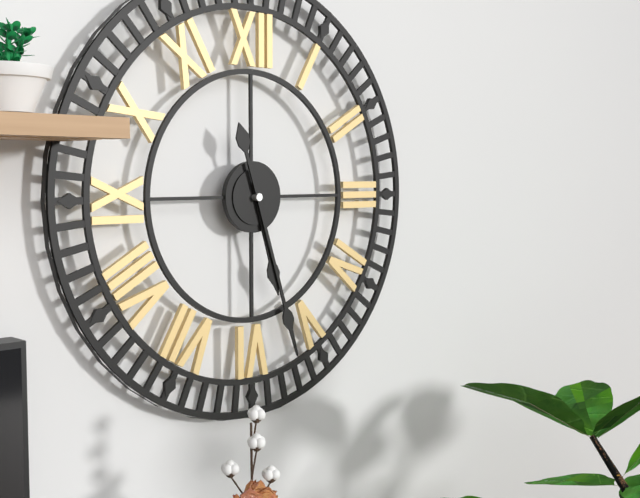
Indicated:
5.27
